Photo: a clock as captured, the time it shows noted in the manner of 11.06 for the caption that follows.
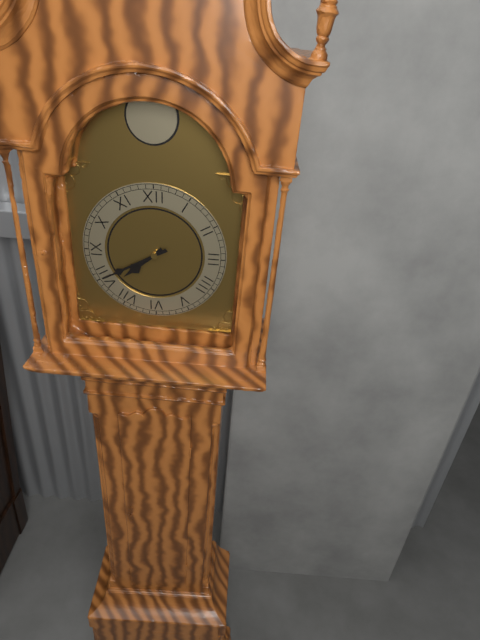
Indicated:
7.40
